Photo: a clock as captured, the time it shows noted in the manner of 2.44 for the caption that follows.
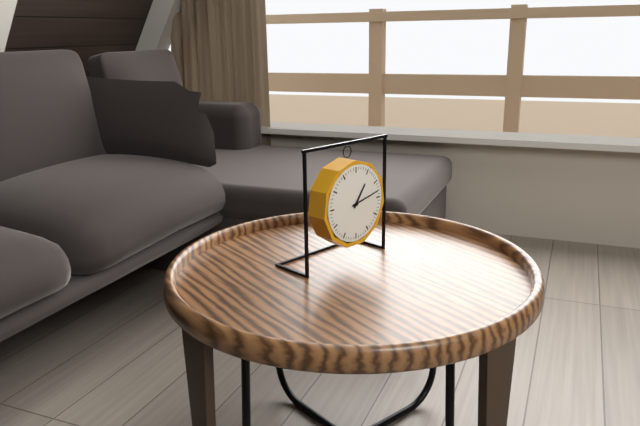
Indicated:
1.13
